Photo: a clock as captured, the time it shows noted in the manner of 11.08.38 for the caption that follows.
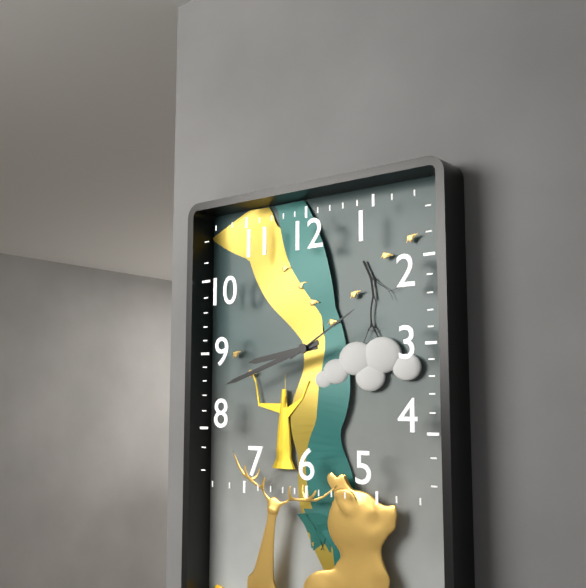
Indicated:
8.42.10
